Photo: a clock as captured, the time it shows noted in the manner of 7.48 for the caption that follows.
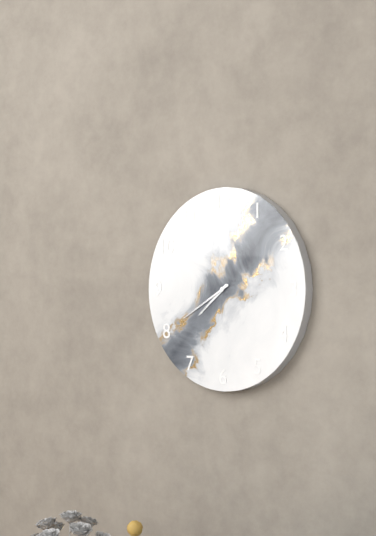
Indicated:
7.40
